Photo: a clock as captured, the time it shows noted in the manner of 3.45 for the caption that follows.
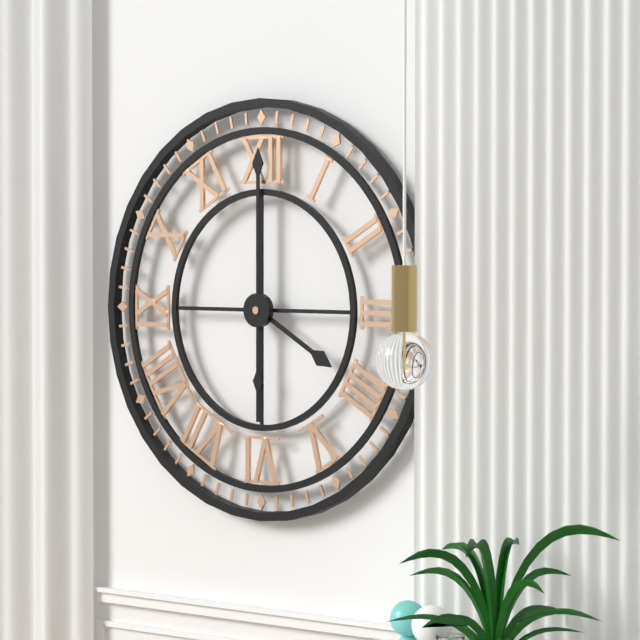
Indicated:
4.00
